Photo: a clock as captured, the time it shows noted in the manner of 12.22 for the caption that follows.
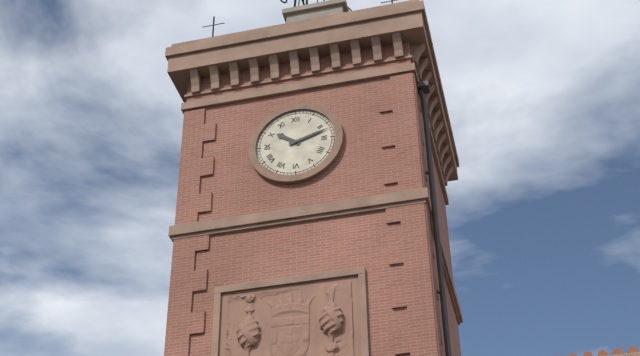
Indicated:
10.12
